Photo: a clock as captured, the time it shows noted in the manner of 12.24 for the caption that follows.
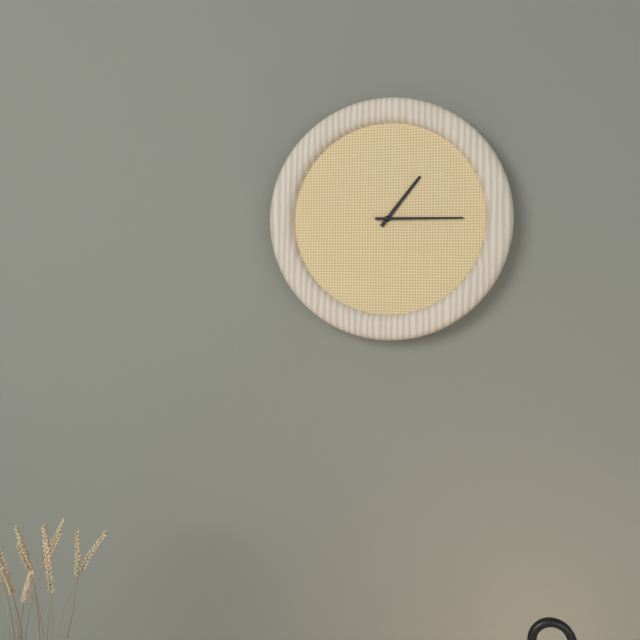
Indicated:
1.15
